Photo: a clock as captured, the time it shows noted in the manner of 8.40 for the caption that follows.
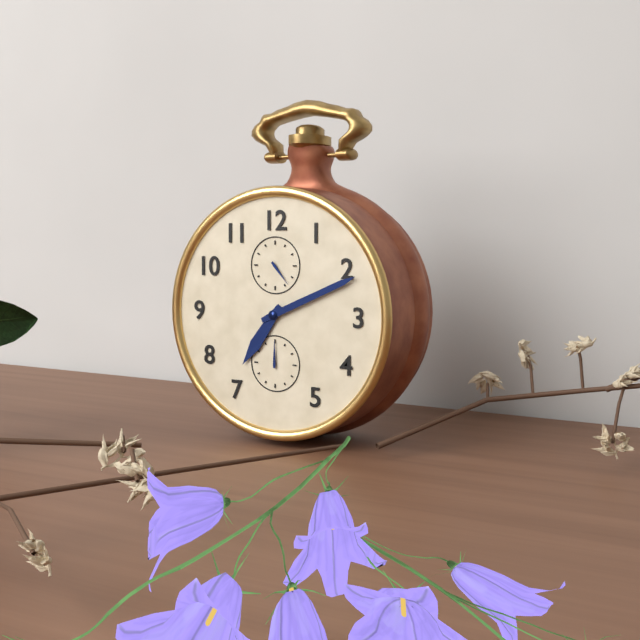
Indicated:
7.11
